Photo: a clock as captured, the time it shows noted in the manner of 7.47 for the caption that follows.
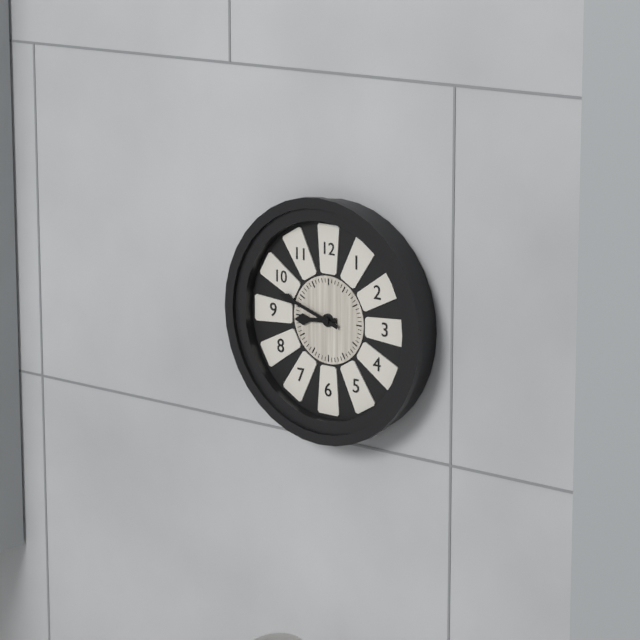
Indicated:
8.48
